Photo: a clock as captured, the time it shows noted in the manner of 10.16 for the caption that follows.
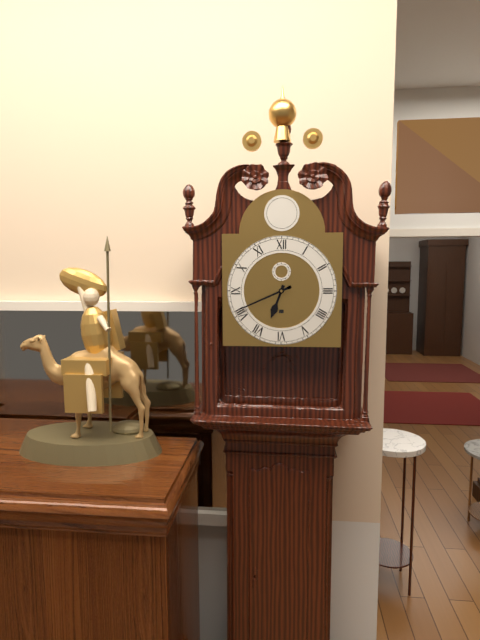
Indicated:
6.41
